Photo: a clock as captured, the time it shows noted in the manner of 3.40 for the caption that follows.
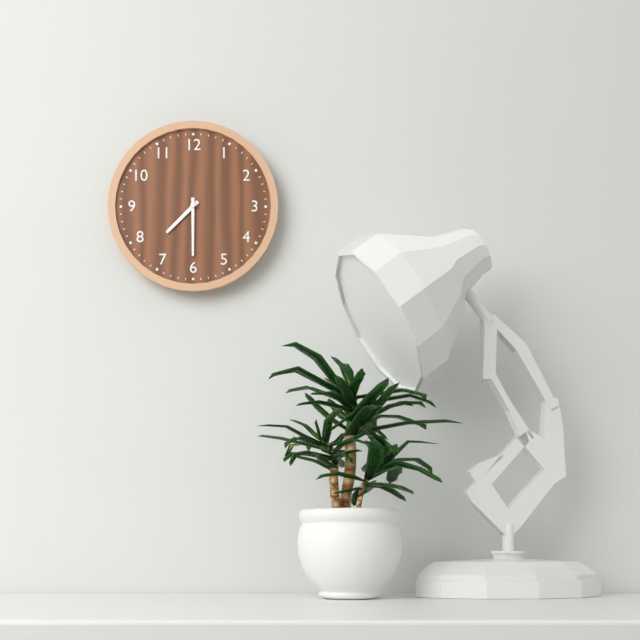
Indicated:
7.30
